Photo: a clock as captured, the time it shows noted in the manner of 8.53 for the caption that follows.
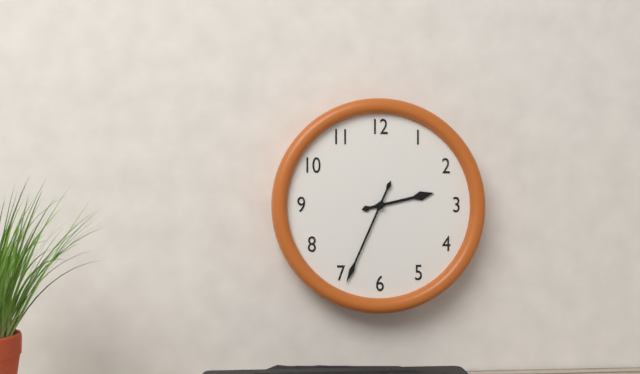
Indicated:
2.34
